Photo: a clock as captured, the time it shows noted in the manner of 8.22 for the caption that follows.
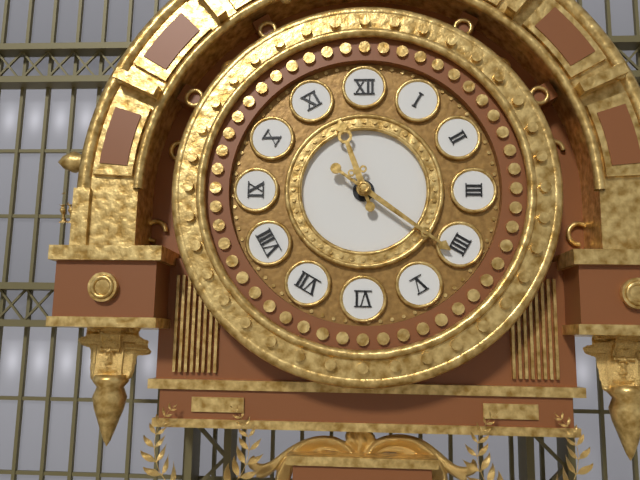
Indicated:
11.21
